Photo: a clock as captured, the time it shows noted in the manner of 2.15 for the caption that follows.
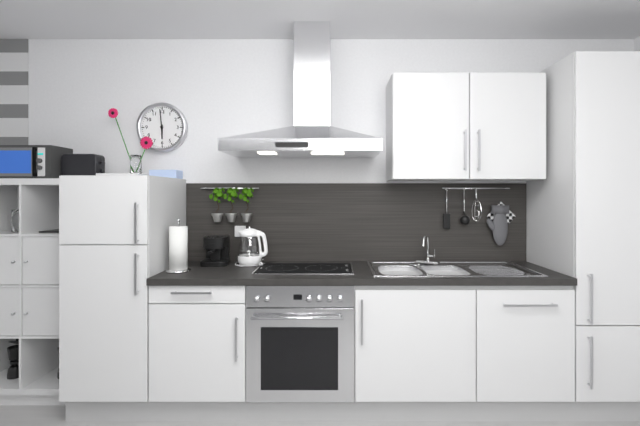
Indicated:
5.59
